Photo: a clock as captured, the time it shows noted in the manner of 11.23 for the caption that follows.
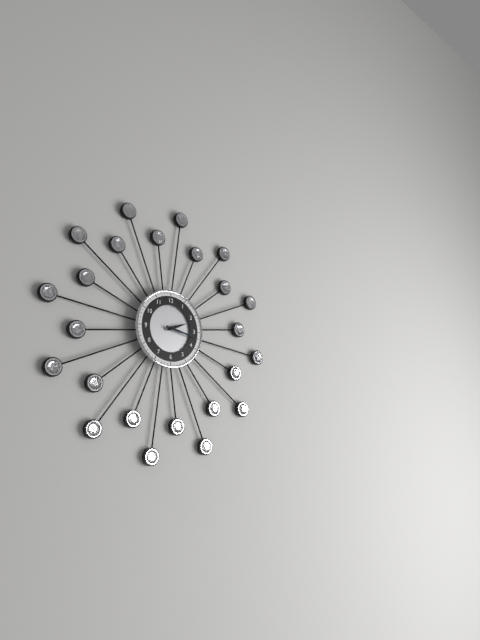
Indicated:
2.17
